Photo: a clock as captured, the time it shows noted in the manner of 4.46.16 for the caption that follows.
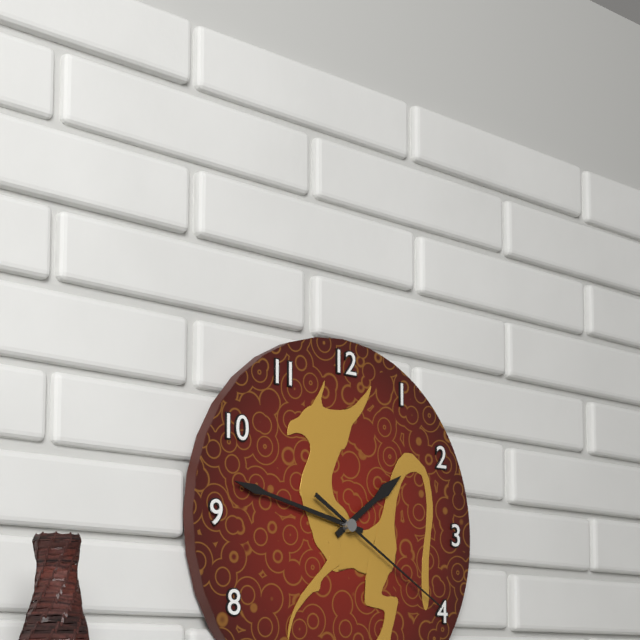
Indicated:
1.47.20
